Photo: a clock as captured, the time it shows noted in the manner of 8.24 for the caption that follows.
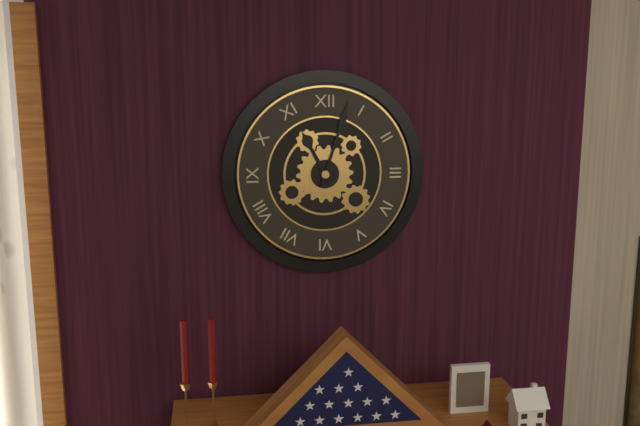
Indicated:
11.03
